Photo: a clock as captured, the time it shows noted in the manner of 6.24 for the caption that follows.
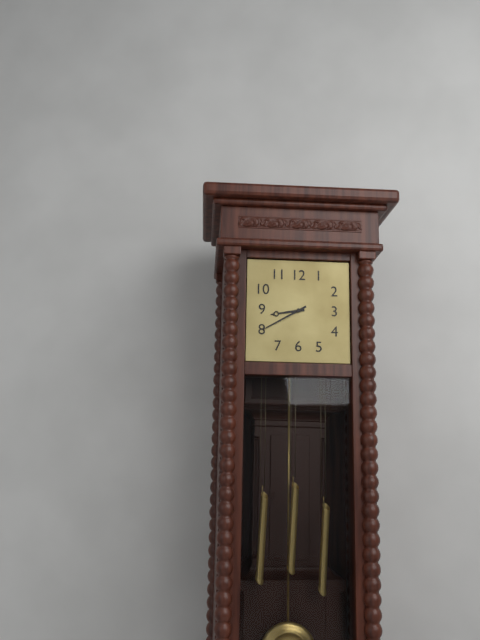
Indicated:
8.40
